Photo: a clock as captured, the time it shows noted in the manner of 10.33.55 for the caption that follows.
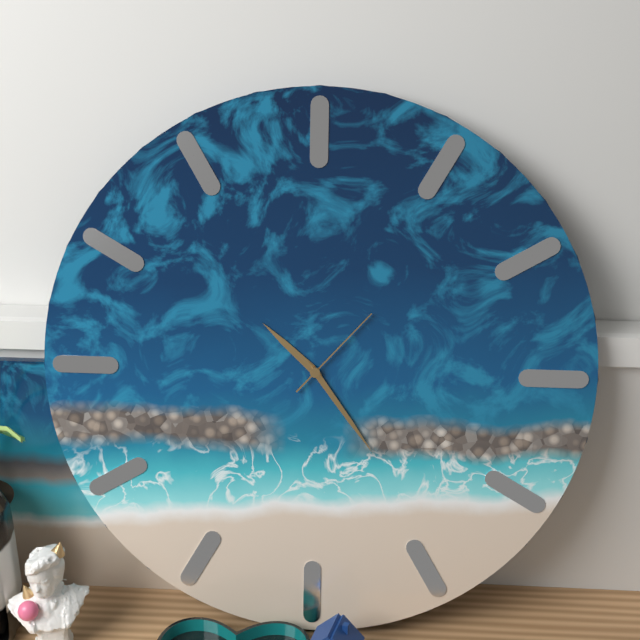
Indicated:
10.24.07
